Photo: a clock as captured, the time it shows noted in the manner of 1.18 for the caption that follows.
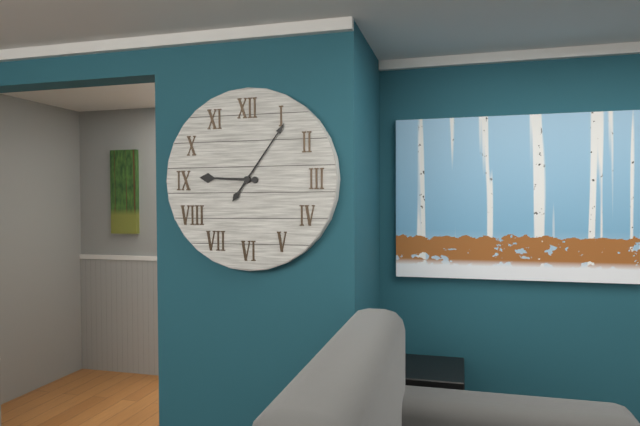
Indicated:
9.06
